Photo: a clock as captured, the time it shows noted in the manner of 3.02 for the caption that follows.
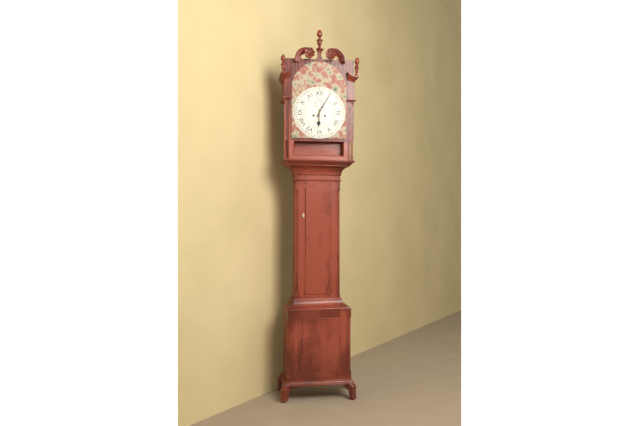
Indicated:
6.05
